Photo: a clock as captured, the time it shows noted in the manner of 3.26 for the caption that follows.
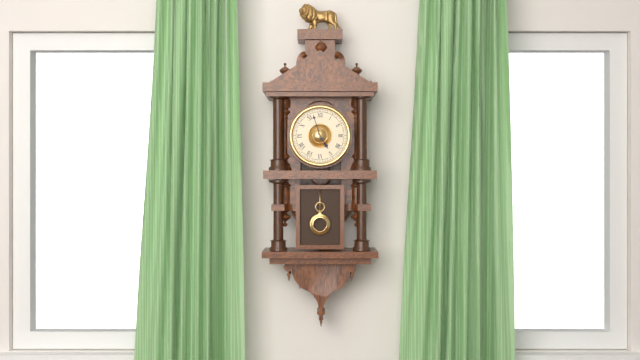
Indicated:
4.57
